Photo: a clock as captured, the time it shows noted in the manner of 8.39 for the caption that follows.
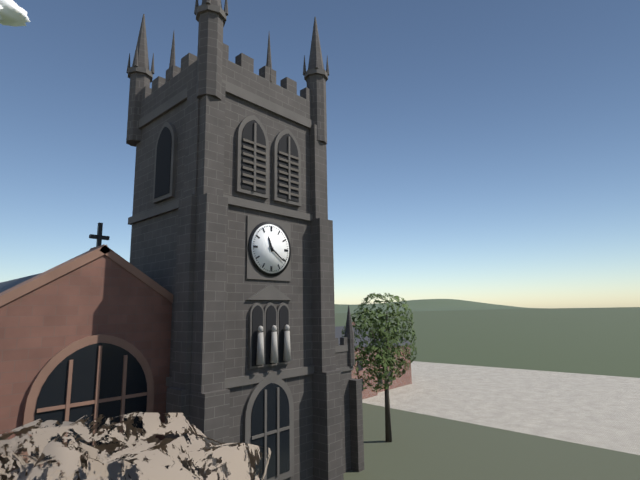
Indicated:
11.21
